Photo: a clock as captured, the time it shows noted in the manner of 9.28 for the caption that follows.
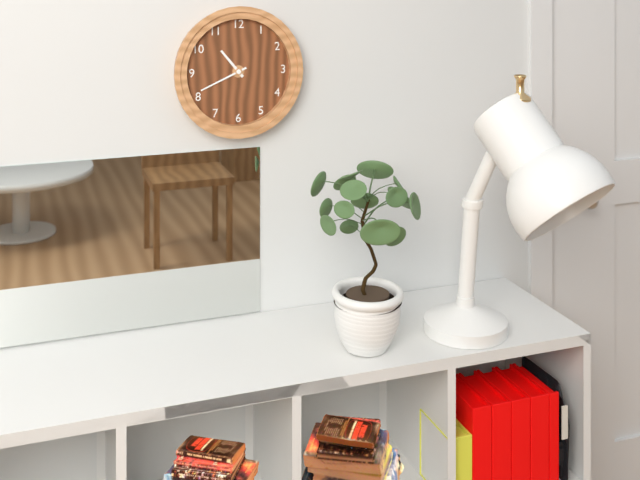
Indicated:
10.41
